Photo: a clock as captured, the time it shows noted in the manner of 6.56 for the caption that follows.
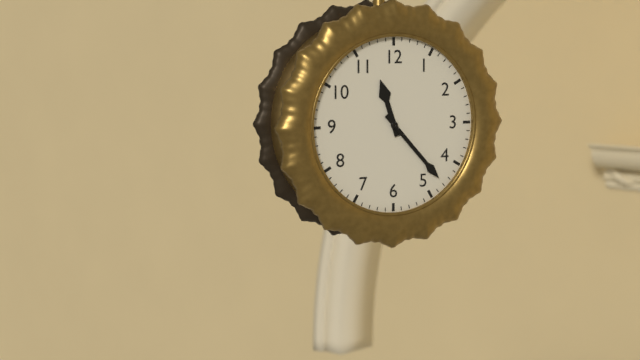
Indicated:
11.23
